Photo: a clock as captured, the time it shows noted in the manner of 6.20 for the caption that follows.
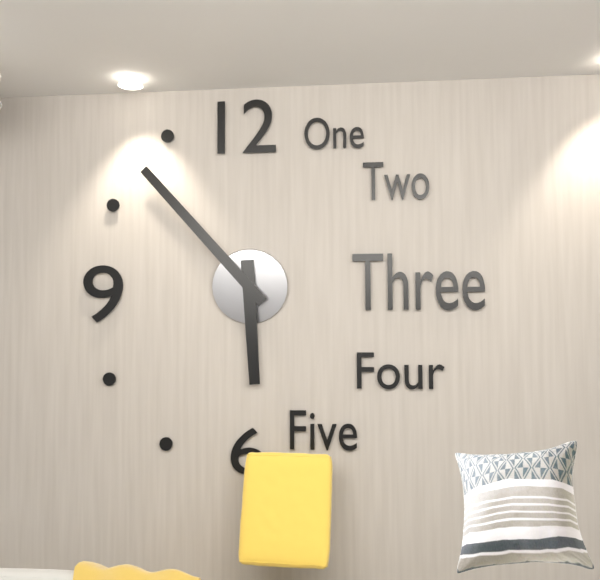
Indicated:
5.53
